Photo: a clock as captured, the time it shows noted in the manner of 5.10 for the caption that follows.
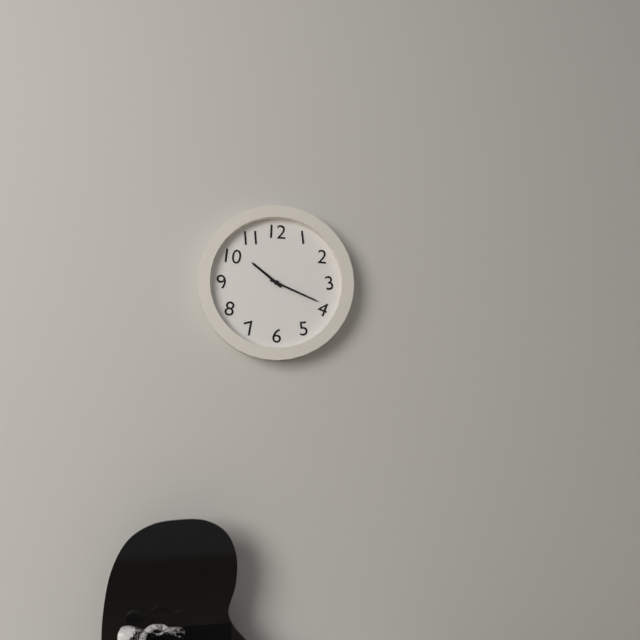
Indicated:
10.19
